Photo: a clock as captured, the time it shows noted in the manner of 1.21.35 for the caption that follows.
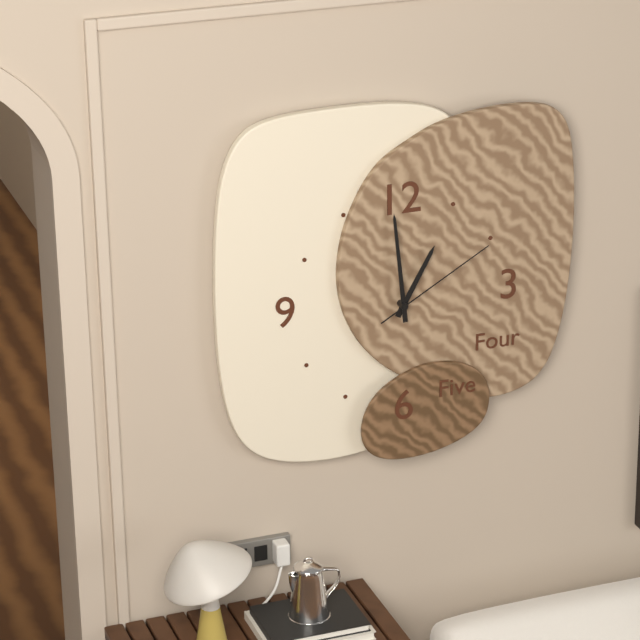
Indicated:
12.59.10
